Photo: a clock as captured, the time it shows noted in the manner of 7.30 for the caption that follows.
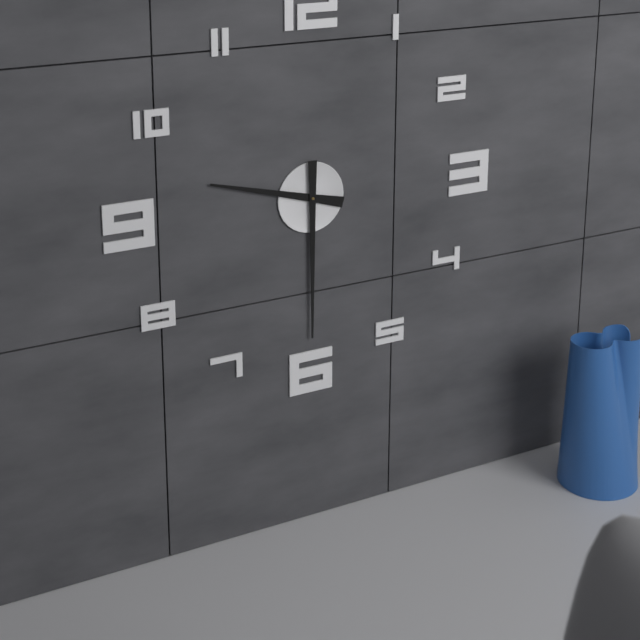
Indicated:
9.30
